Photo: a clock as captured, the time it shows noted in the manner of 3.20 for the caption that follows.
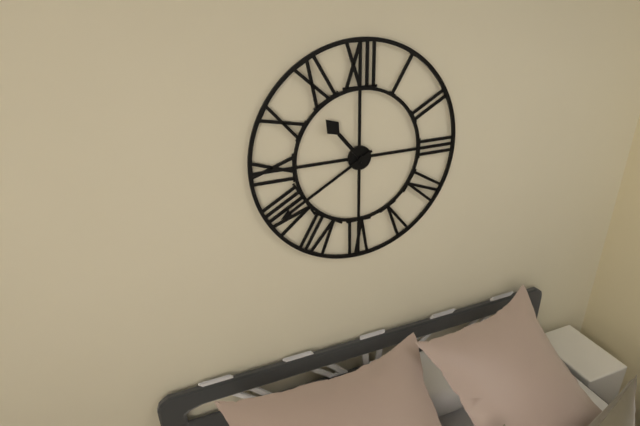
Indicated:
10.40
